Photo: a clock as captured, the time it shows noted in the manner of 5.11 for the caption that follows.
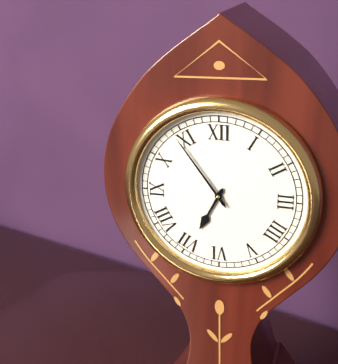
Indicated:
6.54
